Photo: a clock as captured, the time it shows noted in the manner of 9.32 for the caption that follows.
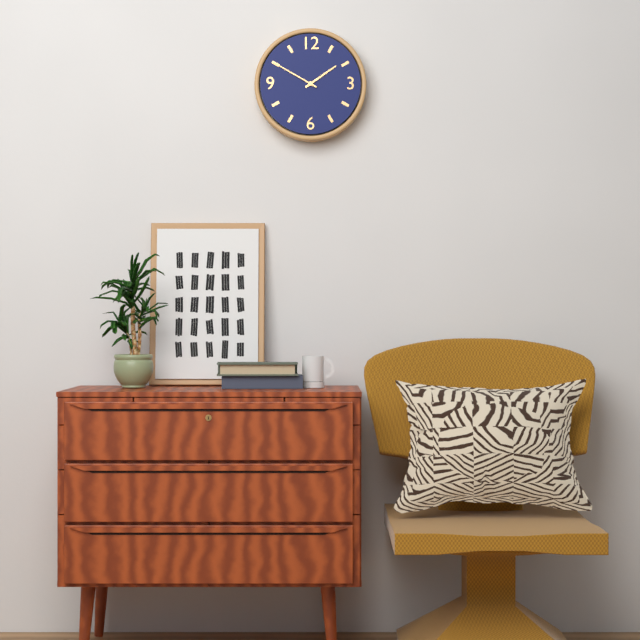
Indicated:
1.50
